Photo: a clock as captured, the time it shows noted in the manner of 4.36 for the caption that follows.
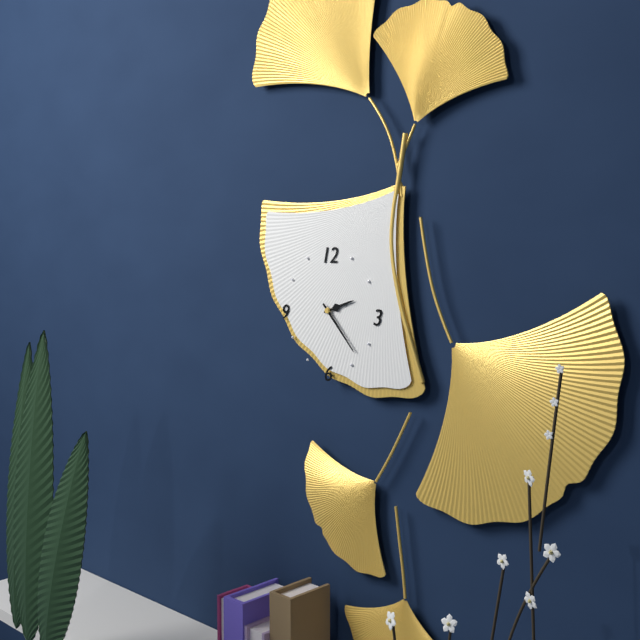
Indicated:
2.23
